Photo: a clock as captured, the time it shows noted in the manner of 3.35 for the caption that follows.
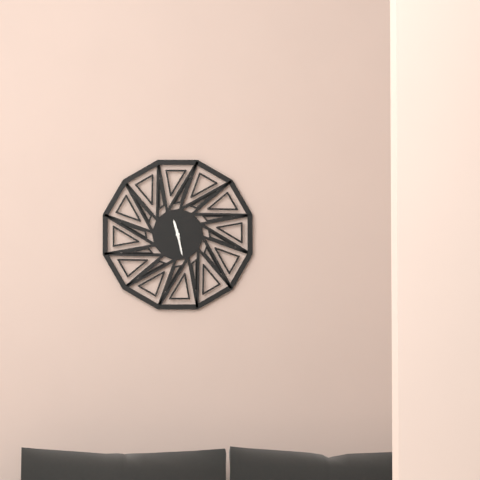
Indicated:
11.28
